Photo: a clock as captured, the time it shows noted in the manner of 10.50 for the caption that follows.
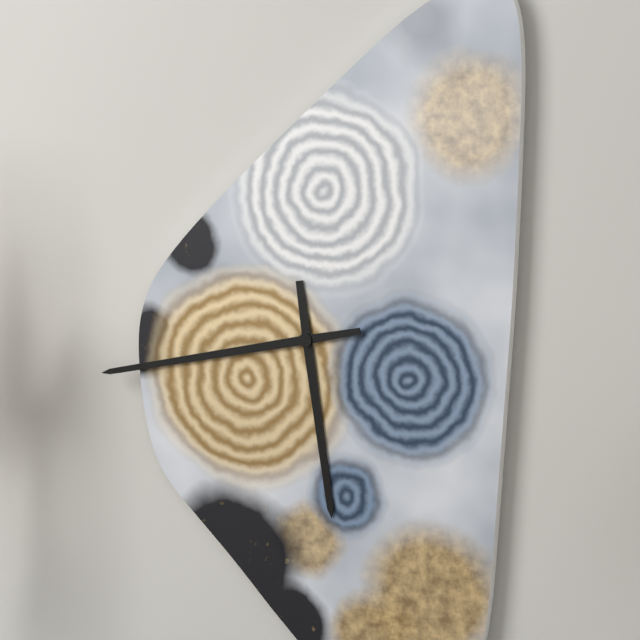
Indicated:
5.43
